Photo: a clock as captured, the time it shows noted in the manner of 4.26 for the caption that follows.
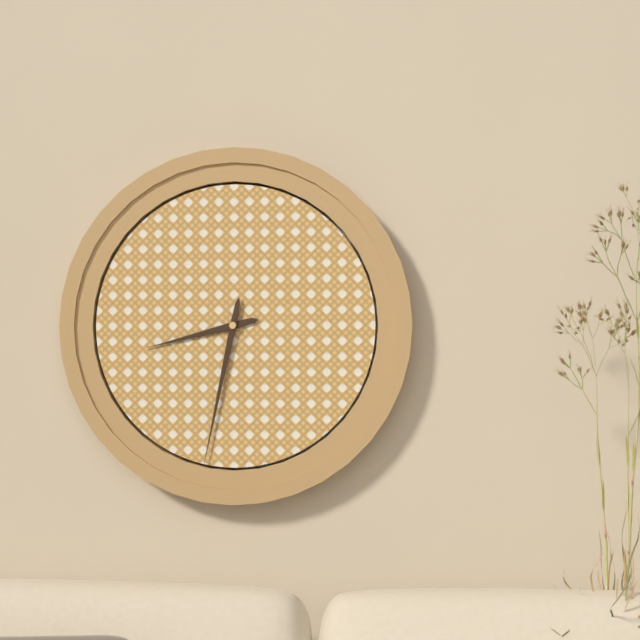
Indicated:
8.32
